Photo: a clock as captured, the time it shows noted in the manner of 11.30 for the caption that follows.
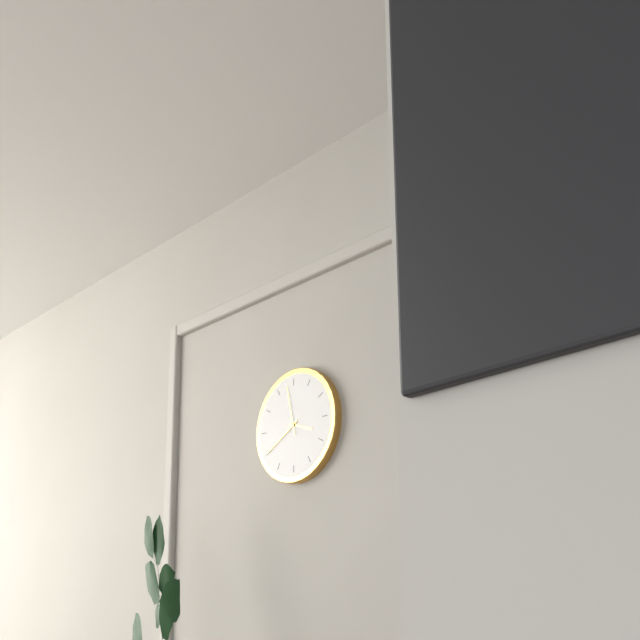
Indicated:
3.40
